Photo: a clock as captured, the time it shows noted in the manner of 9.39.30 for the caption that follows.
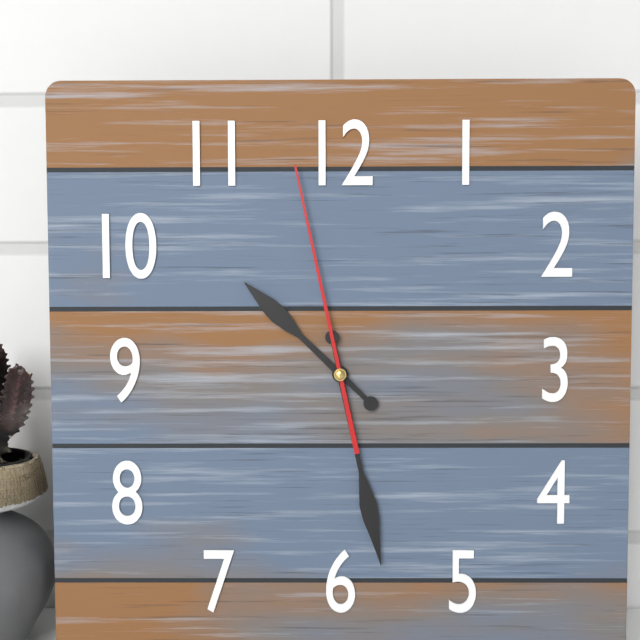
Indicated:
10.28.58
